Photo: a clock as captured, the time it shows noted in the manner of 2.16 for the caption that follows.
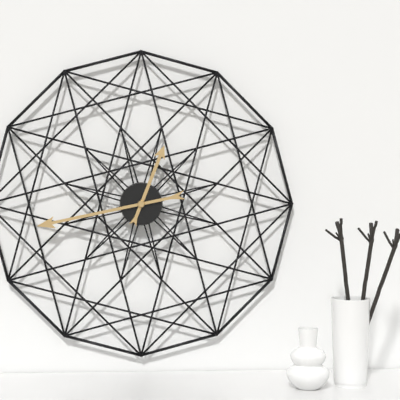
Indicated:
12.43
